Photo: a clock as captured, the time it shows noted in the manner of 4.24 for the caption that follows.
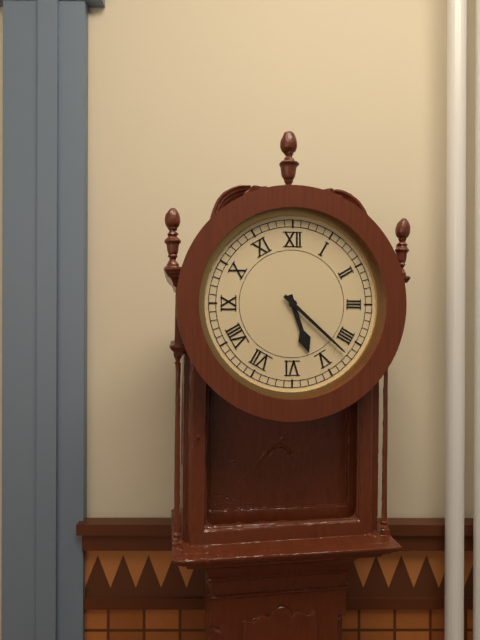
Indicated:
5.22
